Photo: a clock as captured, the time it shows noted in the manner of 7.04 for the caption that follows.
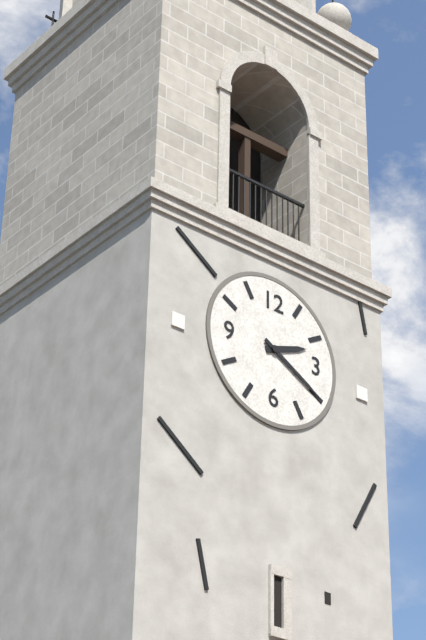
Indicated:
2.20
